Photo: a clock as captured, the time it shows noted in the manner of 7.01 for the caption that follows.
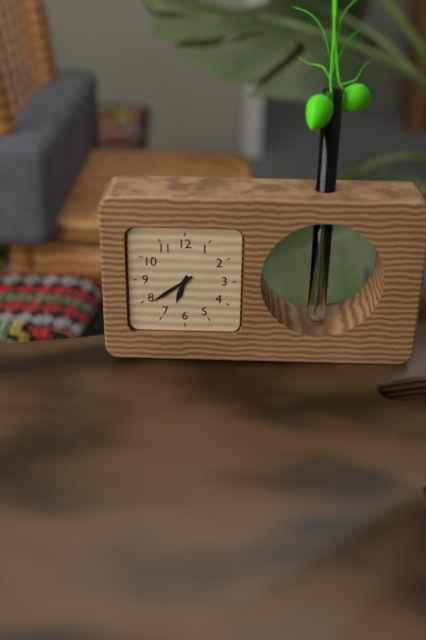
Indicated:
6.39
